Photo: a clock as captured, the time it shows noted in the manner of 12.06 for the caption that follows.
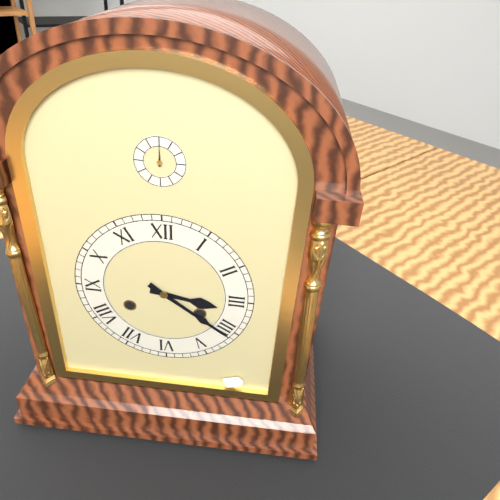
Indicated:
3.21
